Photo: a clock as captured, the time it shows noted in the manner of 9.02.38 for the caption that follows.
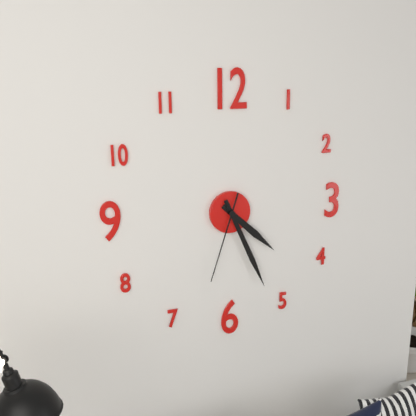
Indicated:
4.26.33
